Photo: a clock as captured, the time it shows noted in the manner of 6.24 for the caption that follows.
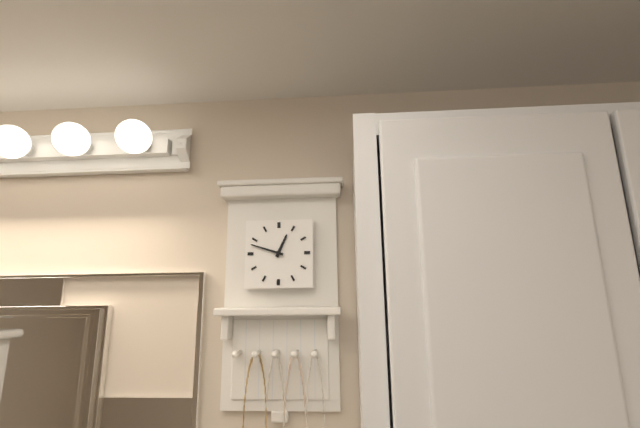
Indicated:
12.48
